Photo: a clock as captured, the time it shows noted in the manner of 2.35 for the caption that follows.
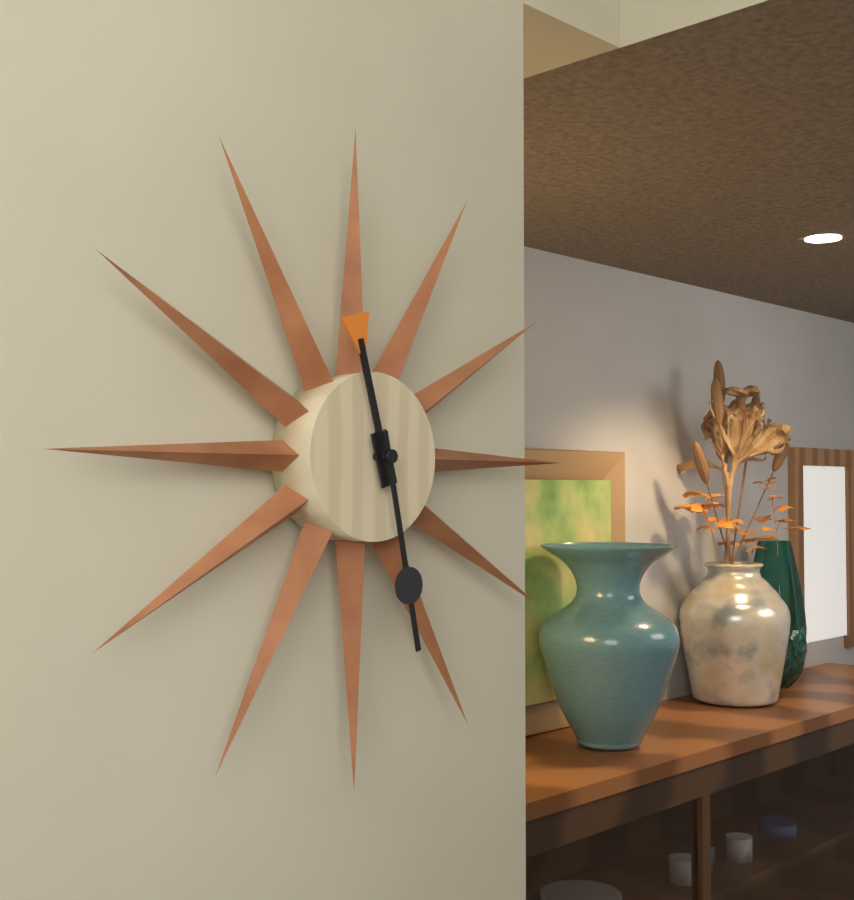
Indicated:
11.28
